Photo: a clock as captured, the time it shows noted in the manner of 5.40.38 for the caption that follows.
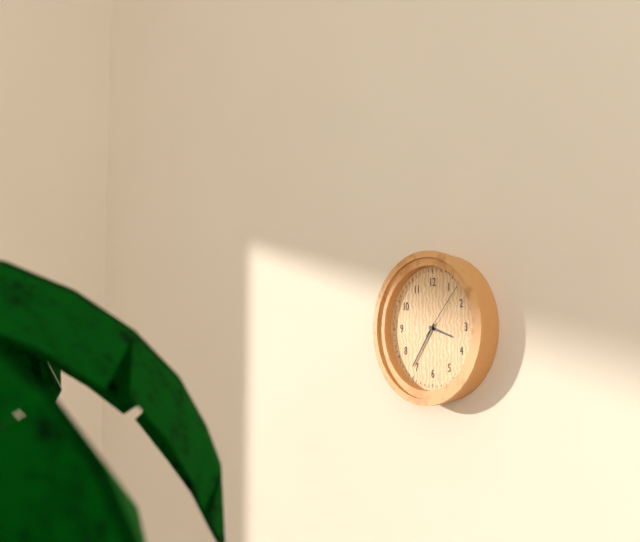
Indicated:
3.36.07
